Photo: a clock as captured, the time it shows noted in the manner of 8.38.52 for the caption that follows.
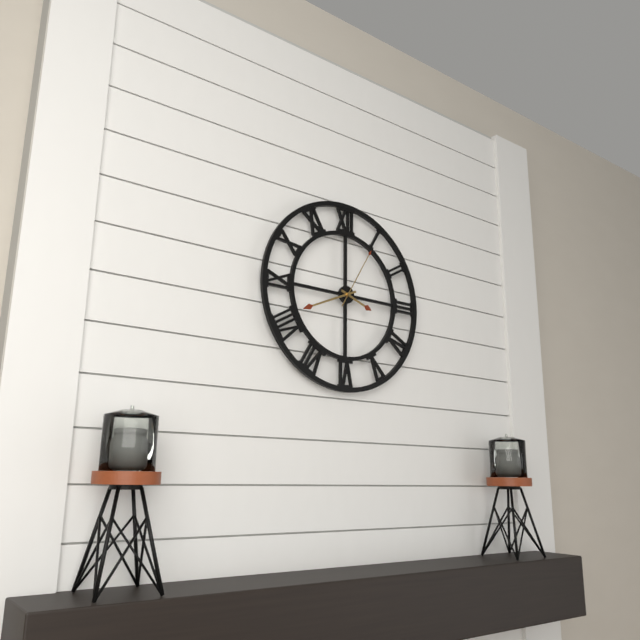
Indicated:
3.41.05
